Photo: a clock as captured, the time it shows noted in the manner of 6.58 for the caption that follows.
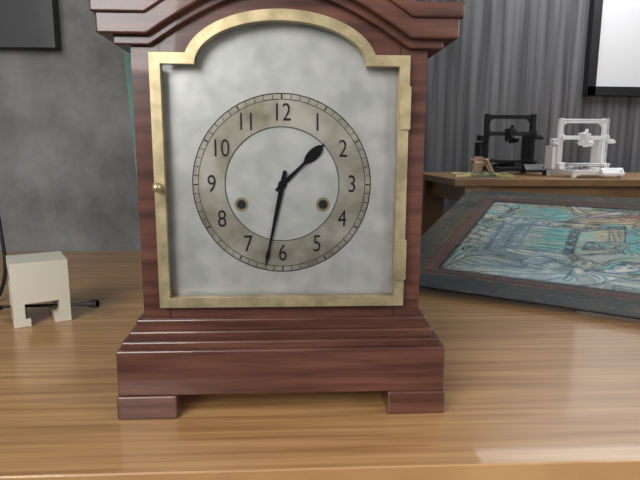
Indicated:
1.32
